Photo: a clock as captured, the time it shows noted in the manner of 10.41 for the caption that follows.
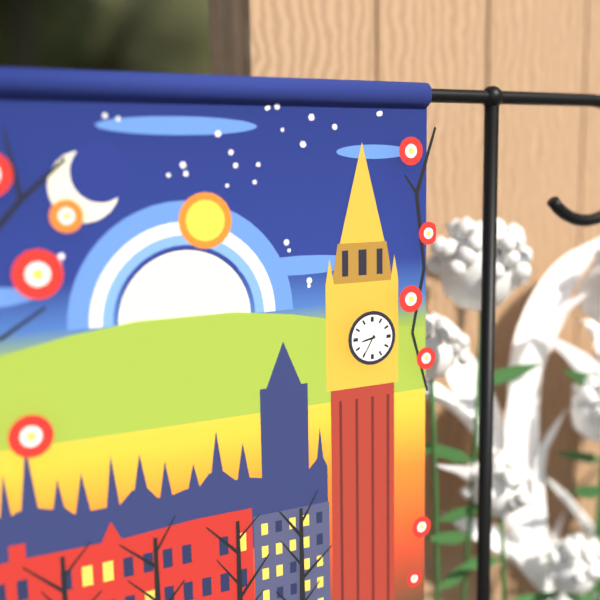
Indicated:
8.35
